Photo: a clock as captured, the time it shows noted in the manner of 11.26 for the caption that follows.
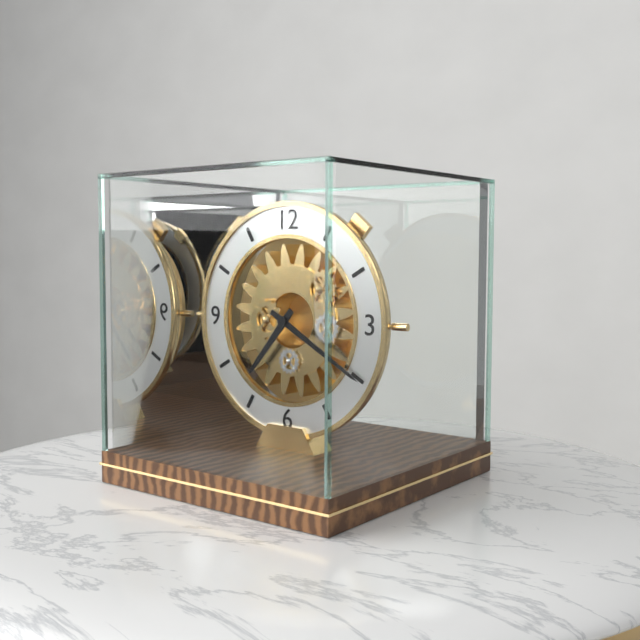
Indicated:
7.20
